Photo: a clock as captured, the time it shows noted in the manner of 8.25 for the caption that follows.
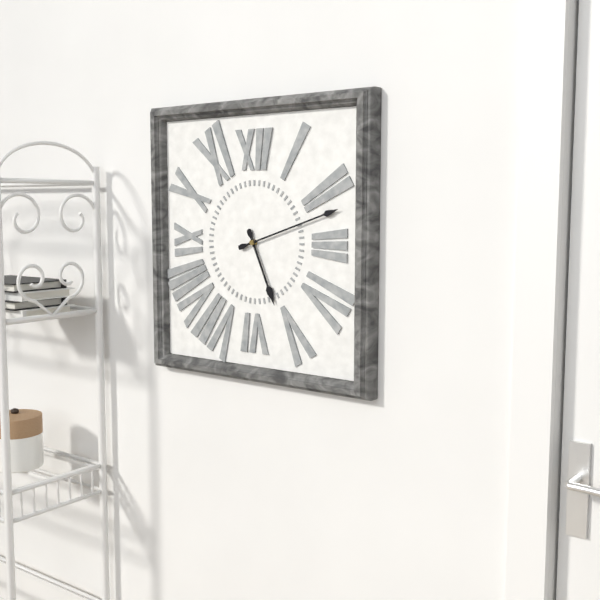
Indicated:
5.12
